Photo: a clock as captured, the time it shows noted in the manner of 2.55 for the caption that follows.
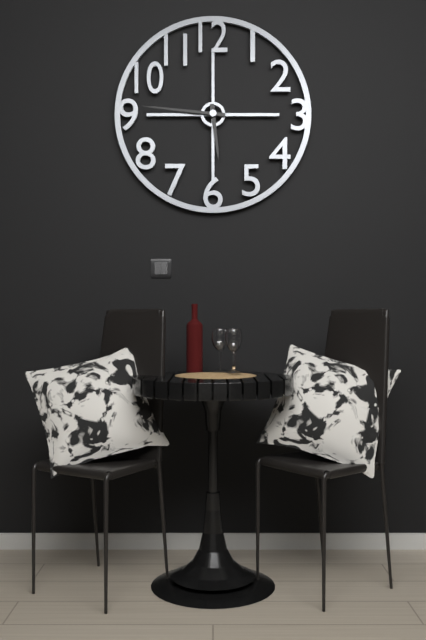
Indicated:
5.46
